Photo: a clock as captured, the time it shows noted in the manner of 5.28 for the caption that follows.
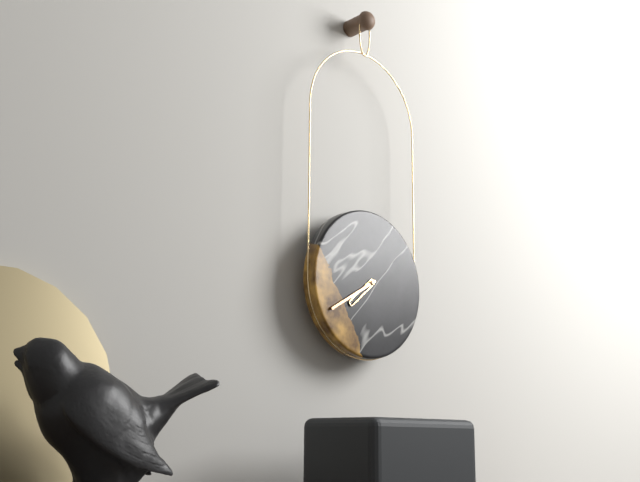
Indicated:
7.40
